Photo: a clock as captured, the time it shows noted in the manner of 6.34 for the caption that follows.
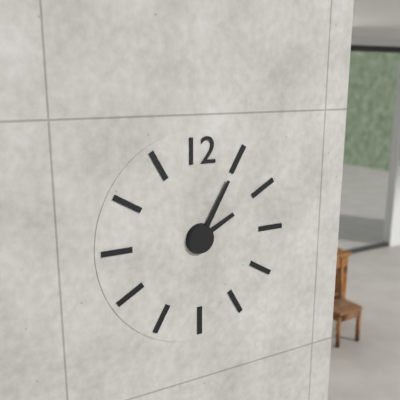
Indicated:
2.05
